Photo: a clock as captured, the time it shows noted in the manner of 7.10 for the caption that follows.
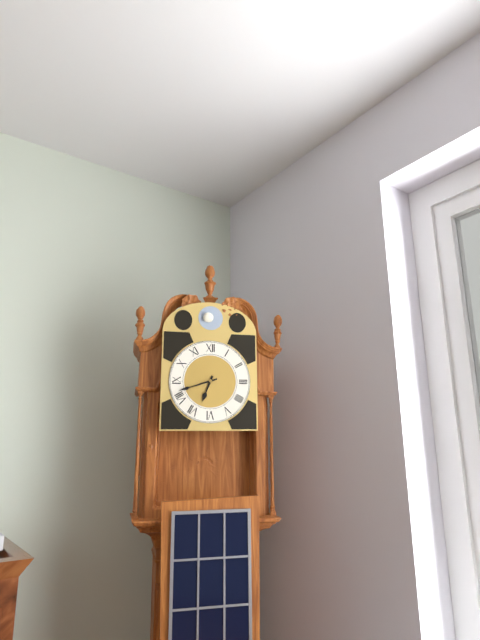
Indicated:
6.42
